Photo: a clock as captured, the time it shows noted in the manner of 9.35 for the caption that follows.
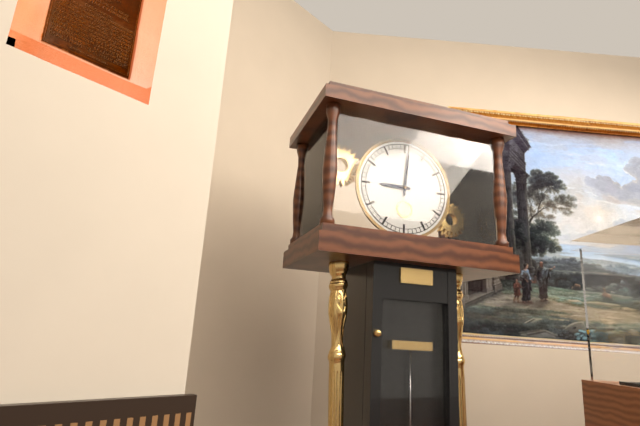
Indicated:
9.01
